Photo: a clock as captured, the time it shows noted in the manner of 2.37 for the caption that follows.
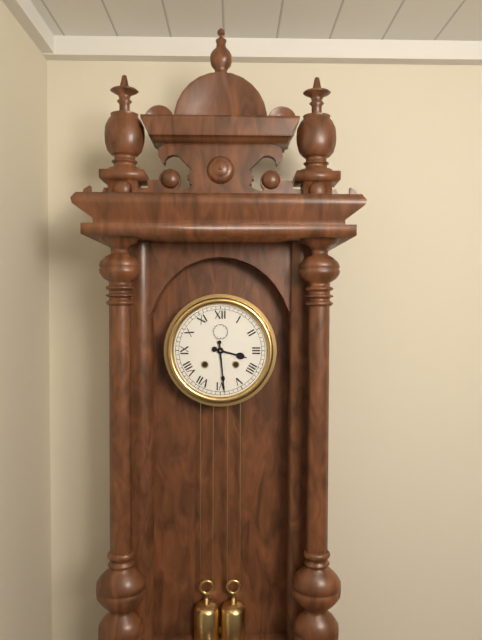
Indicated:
3.29
